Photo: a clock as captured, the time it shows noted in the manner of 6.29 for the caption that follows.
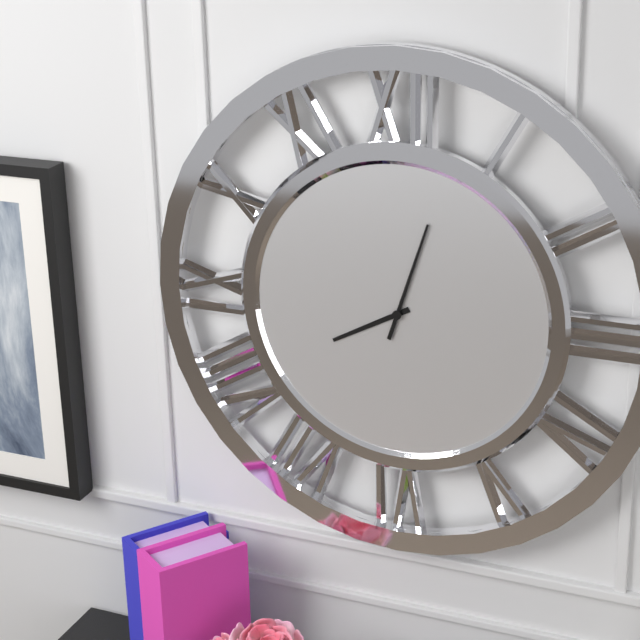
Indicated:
8.03
